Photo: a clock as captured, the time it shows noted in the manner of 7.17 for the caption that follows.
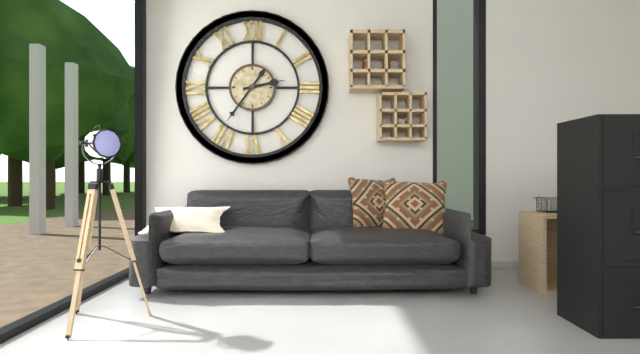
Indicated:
2.36
